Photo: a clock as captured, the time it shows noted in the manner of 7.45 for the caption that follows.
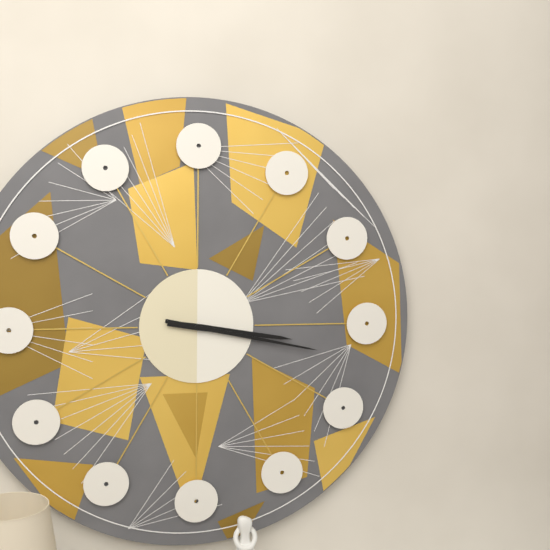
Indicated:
3.17
